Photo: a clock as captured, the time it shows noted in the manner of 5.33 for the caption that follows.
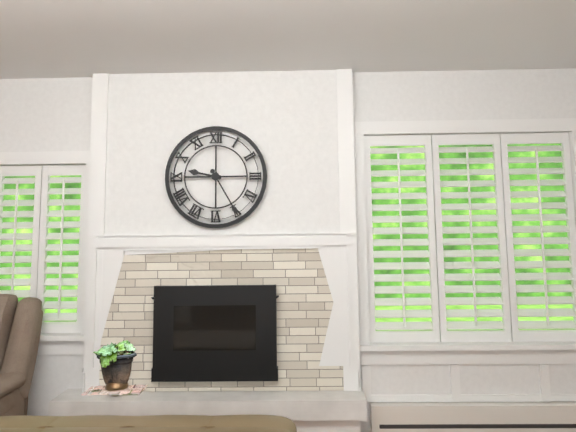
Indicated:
9.25
